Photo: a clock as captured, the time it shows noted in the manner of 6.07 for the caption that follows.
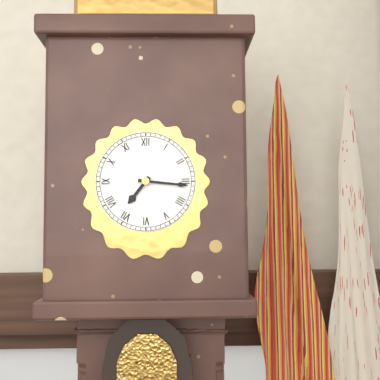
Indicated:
7.16
